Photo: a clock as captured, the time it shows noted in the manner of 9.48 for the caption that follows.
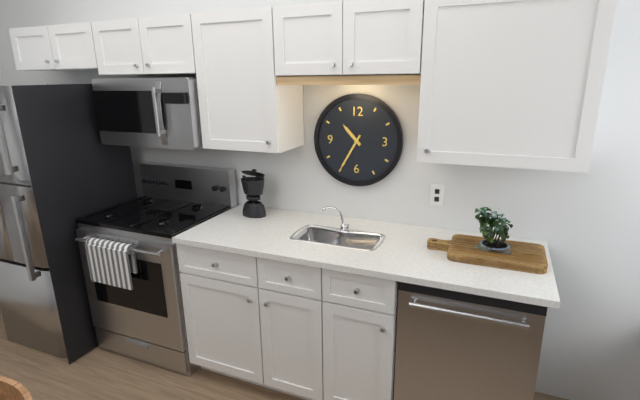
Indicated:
10.35
